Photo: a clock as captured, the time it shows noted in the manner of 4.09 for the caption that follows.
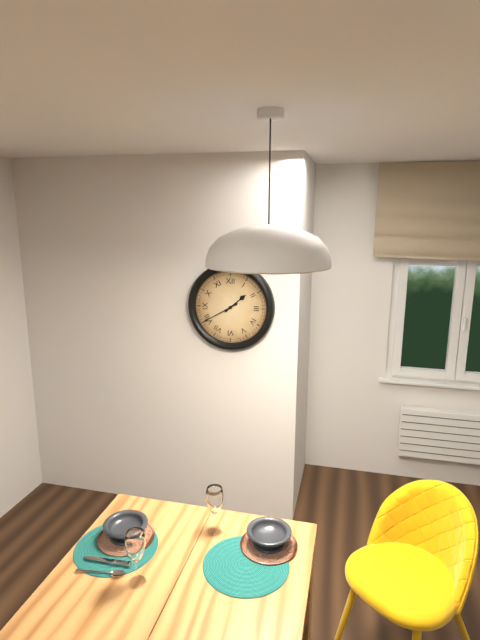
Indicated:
1.40
